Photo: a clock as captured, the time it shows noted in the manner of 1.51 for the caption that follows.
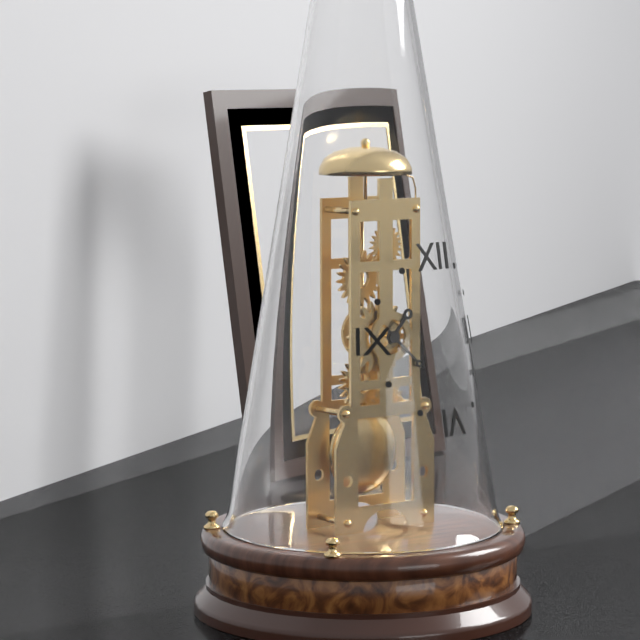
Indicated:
1.22
